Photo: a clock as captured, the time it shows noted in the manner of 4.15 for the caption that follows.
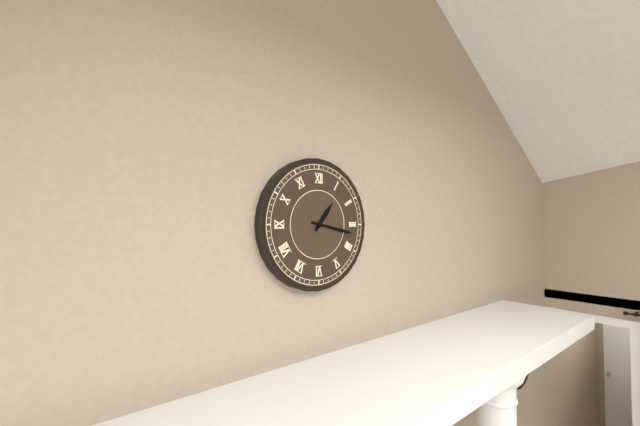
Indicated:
1.17
